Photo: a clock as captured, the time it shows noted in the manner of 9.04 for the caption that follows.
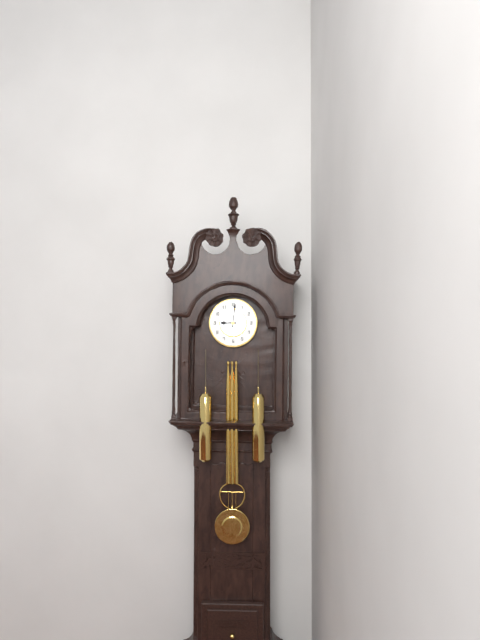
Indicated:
9.01
